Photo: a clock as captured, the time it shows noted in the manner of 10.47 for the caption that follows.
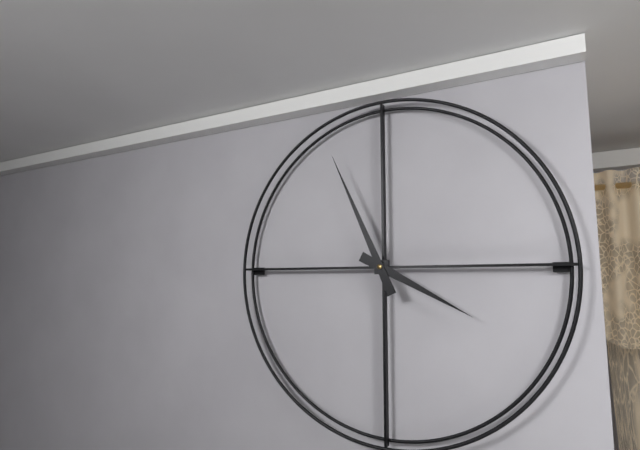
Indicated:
3.56
